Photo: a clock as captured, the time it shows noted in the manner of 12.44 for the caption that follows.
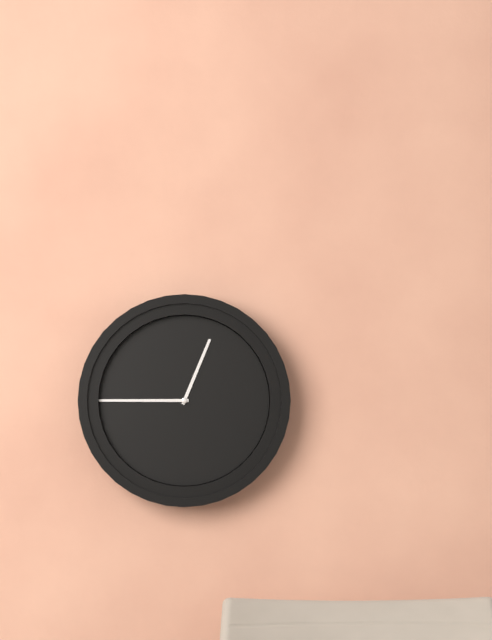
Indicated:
12.45
